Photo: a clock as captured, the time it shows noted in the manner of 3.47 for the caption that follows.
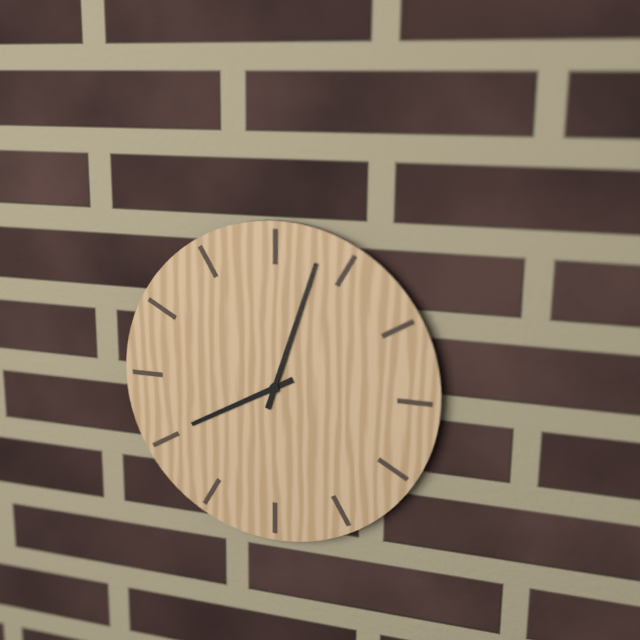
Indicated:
8.03
